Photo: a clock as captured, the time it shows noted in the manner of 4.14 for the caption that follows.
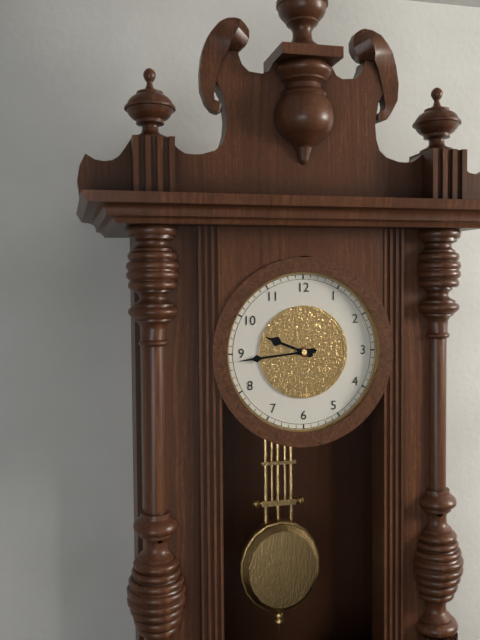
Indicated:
9.44
